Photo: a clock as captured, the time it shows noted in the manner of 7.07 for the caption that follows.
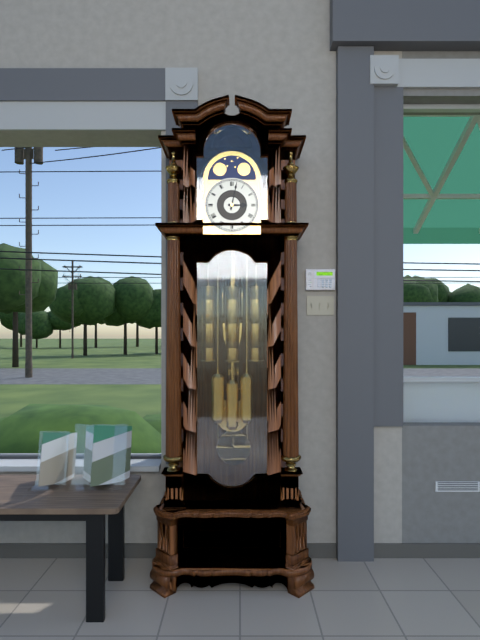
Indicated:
3.02
